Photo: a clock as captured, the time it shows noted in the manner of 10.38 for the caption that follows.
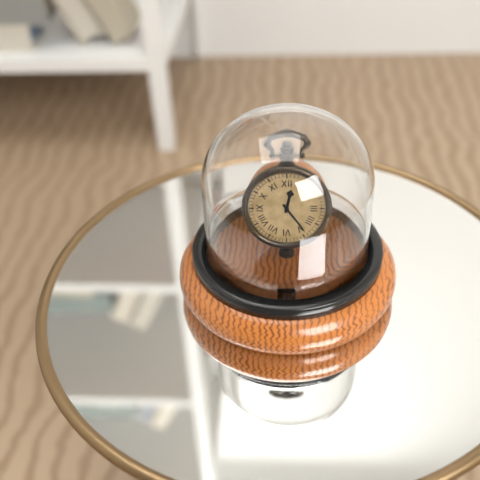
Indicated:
12.24
